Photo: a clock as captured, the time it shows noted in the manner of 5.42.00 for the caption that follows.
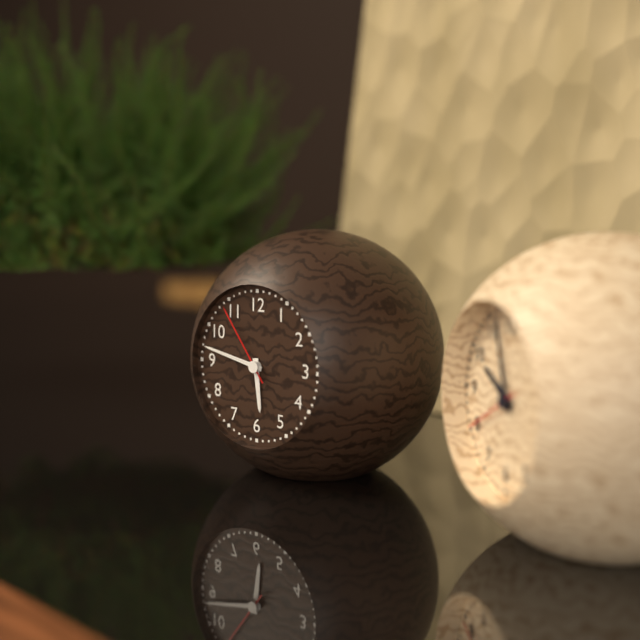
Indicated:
5.47.54
